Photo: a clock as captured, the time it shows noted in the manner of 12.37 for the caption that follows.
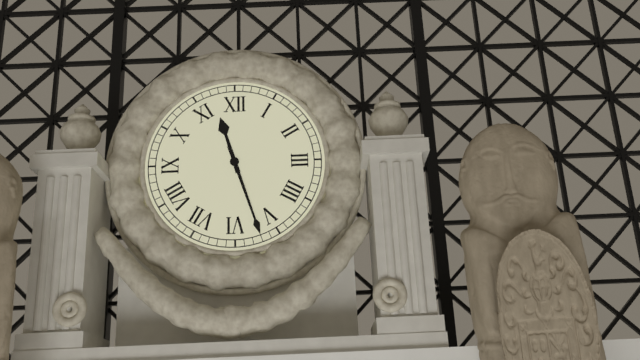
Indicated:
11.27
